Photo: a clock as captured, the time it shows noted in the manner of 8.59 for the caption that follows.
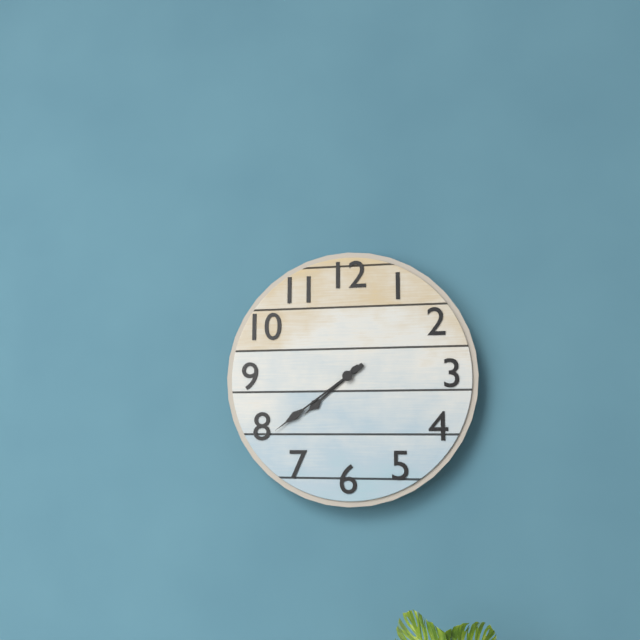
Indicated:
7.39
